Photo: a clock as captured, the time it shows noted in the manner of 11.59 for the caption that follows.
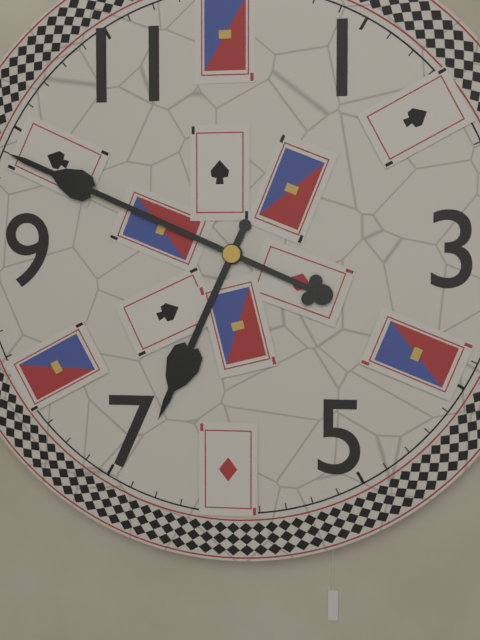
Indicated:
6.49
